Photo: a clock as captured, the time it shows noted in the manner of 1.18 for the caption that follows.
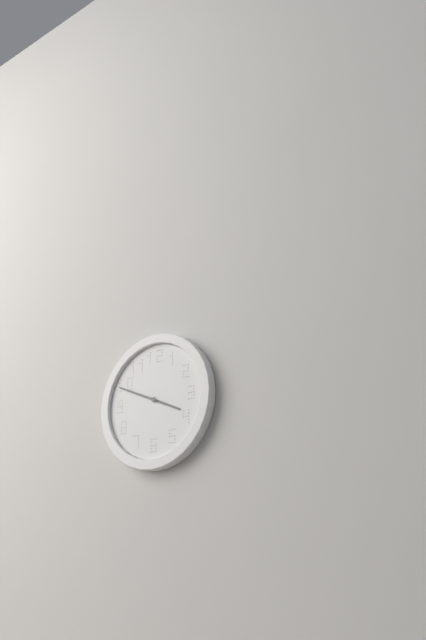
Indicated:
3.49
